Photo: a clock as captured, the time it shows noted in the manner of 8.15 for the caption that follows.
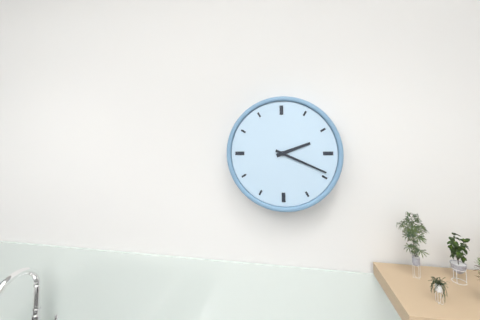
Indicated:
2.19
